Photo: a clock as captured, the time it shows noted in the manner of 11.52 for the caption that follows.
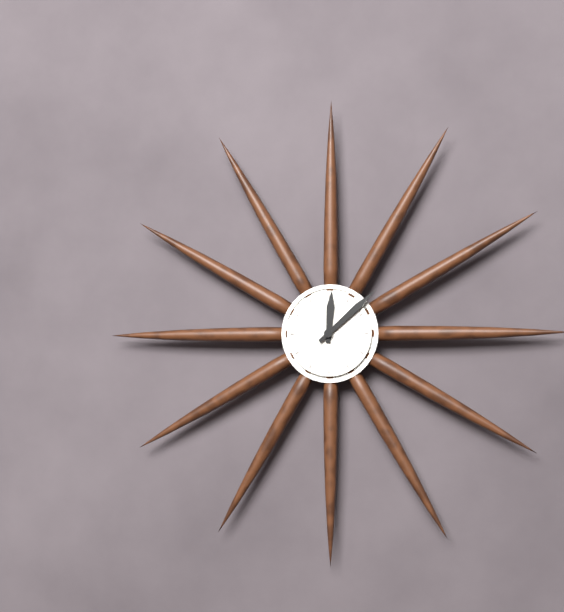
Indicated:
12.08
